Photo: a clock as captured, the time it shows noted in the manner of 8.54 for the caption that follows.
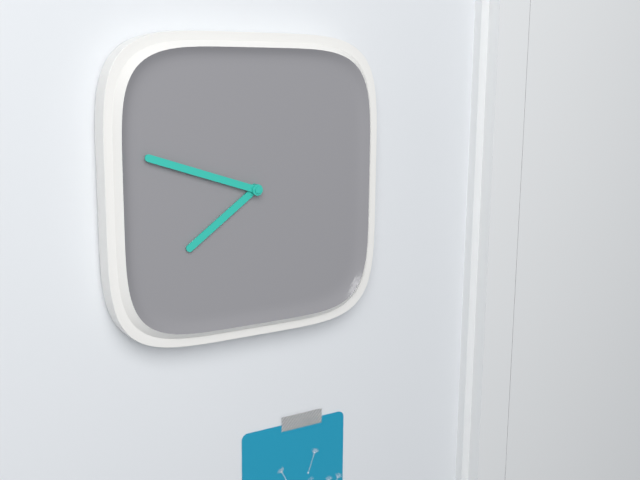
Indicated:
7.48
